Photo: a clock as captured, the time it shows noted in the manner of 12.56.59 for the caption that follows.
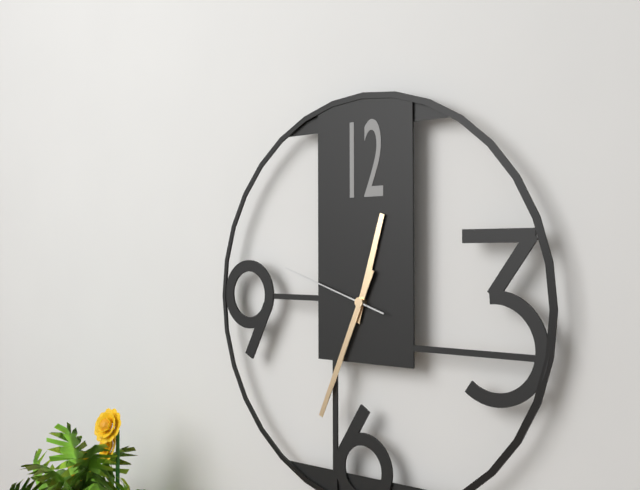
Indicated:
12.34.48
